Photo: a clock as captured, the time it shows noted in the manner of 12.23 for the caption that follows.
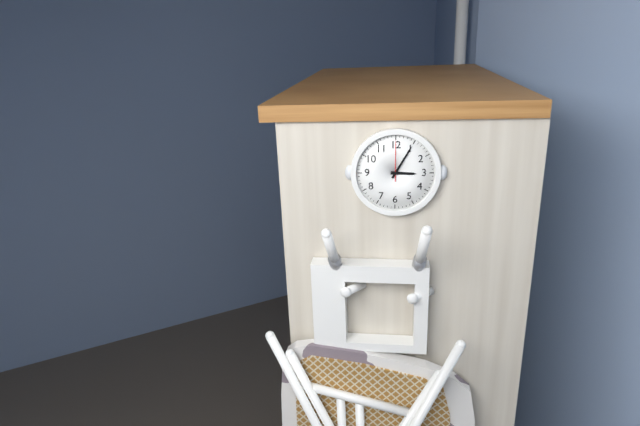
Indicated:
3.05
